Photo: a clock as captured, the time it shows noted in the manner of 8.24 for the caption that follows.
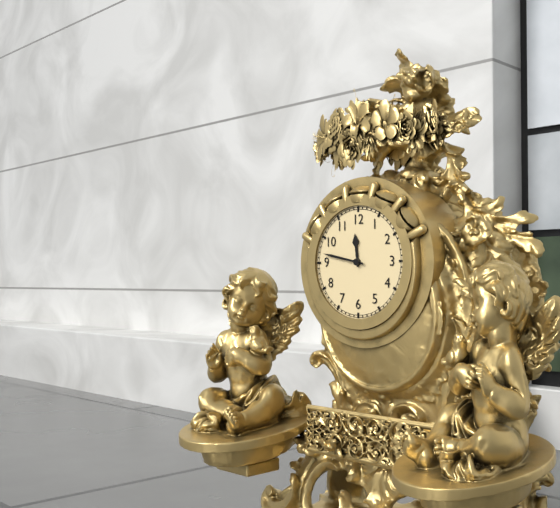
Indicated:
11.47
